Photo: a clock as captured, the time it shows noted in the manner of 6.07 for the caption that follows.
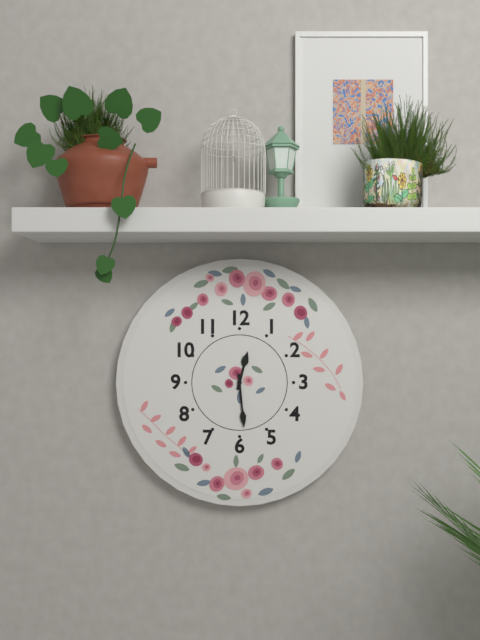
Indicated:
12.29
